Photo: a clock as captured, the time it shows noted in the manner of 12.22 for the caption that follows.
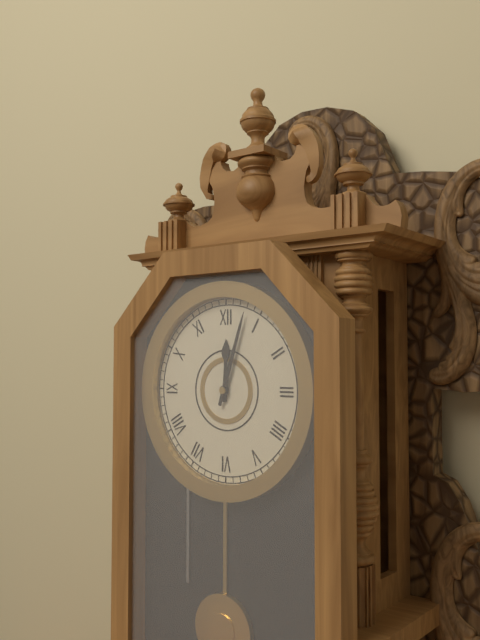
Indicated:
12.03
